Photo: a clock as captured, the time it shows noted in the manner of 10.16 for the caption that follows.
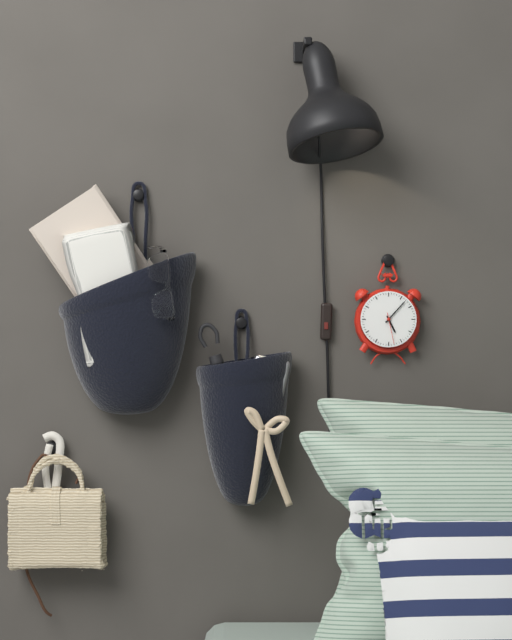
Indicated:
5.07
